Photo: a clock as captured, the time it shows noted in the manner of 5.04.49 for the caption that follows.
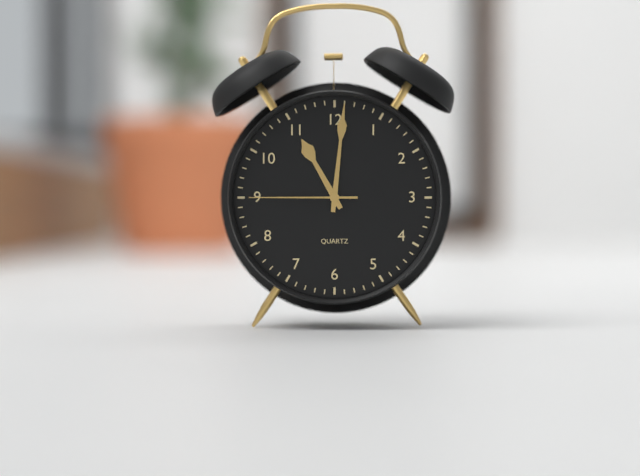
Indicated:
11.01.45
